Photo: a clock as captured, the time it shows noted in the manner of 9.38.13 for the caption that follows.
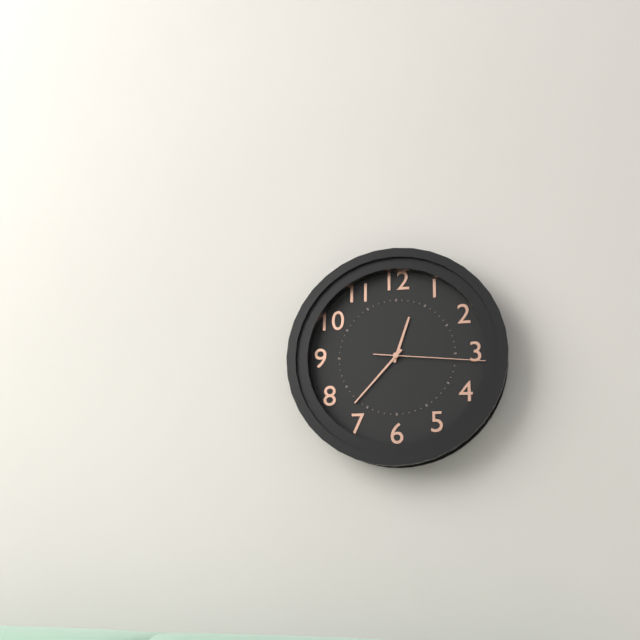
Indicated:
12.37.16
